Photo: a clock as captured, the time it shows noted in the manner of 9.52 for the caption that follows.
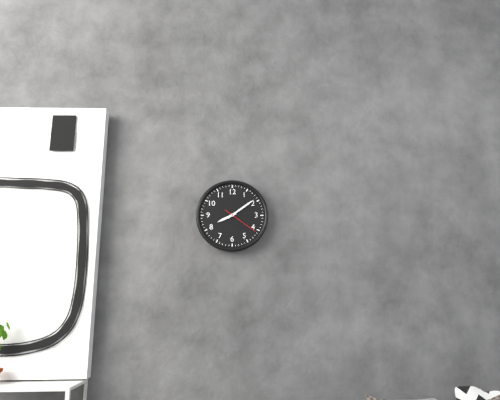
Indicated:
8.09
